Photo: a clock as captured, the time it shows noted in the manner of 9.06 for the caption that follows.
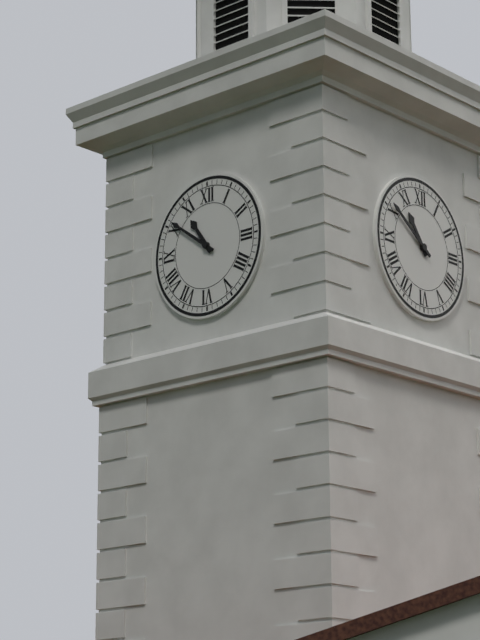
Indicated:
10.51
